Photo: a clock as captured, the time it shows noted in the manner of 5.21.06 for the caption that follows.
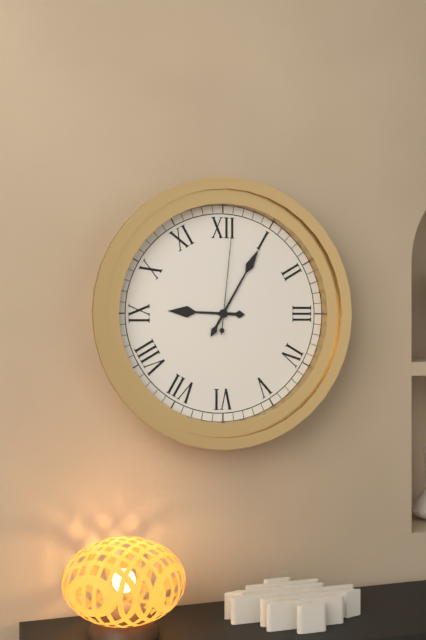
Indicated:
9.05.01
